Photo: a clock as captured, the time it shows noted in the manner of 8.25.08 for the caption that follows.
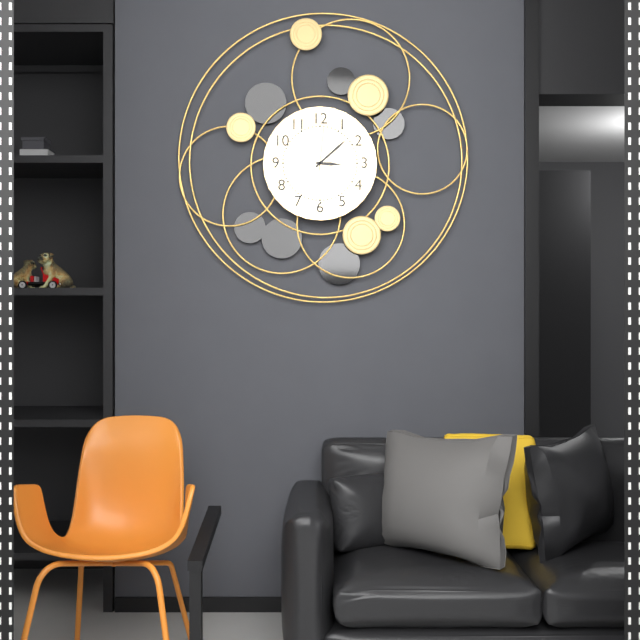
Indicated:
3.08.01
